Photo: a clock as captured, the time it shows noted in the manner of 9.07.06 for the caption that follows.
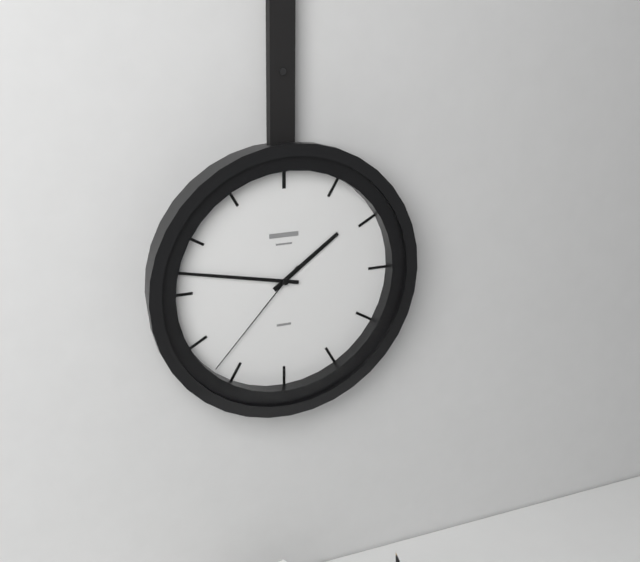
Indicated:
1.47.37
